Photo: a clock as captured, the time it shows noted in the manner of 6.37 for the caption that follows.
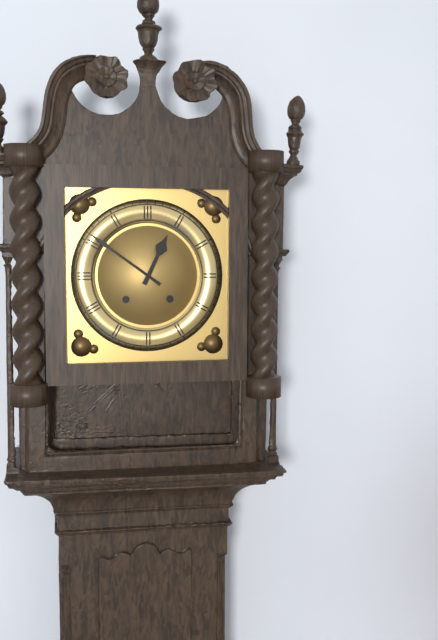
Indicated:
12.51
